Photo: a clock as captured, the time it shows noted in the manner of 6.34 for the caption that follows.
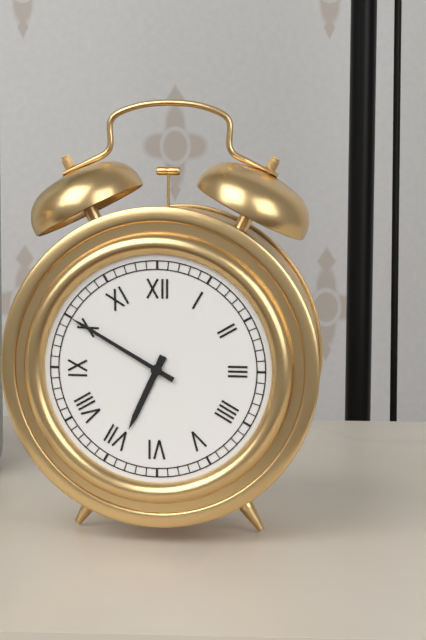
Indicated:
6.50
